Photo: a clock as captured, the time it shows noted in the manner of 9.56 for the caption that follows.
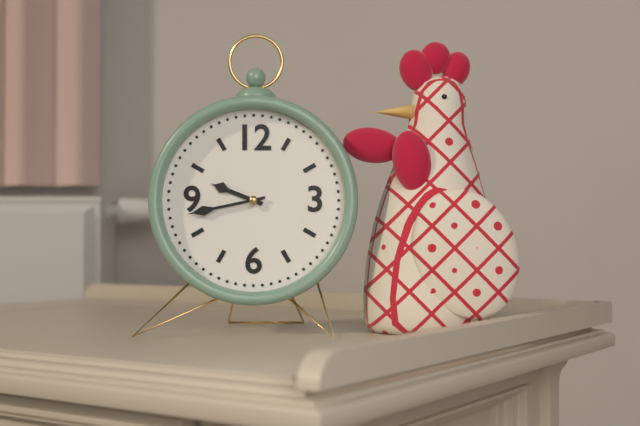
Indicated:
9.43
